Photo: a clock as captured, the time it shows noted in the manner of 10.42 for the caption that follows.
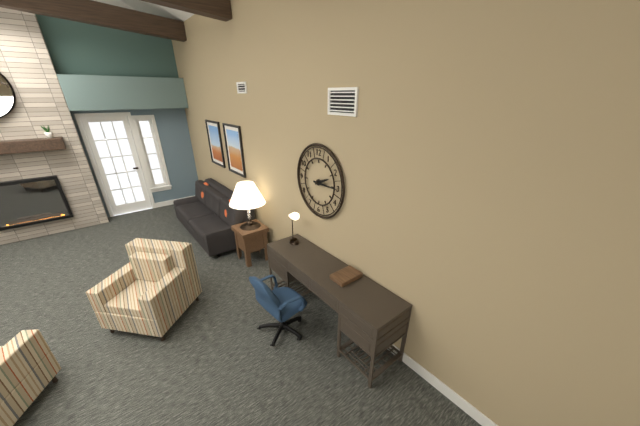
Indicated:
2.15
